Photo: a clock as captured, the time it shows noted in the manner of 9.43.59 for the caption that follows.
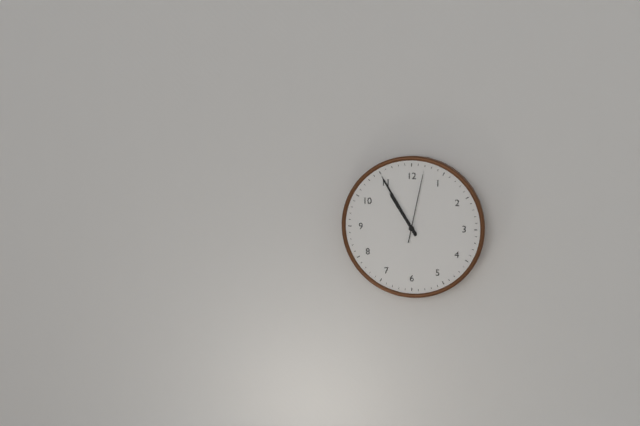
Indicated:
10.55.02
